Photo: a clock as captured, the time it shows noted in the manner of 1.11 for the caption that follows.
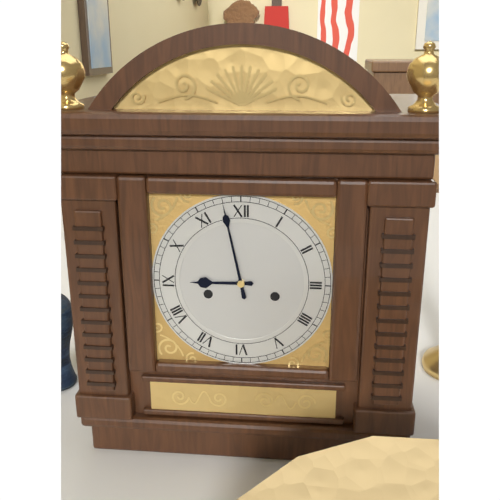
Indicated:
8.58
